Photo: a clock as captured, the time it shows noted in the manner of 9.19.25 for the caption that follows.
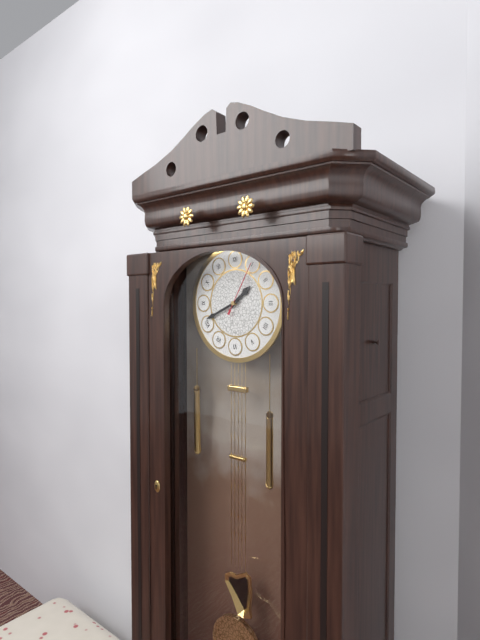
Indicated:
1.41.05
